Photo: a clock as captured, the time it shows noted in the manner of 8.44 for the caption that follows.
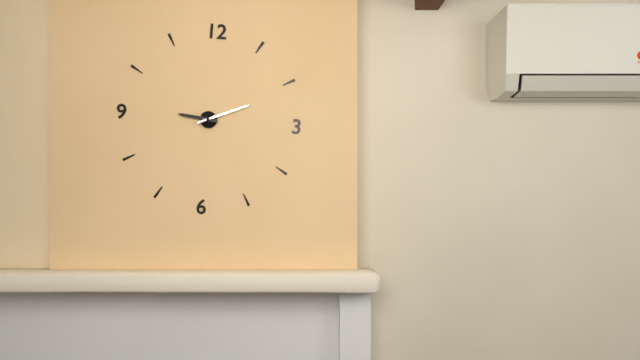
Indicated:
9.11
